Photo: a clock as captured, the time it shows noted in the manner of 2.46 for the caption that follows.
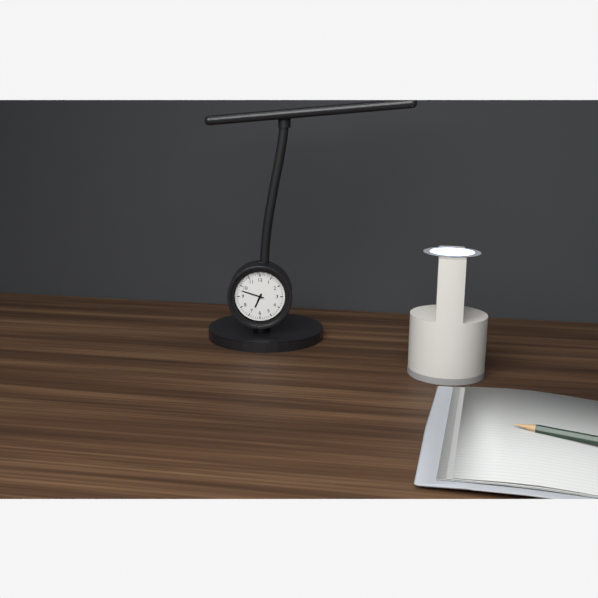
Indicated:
6.48
